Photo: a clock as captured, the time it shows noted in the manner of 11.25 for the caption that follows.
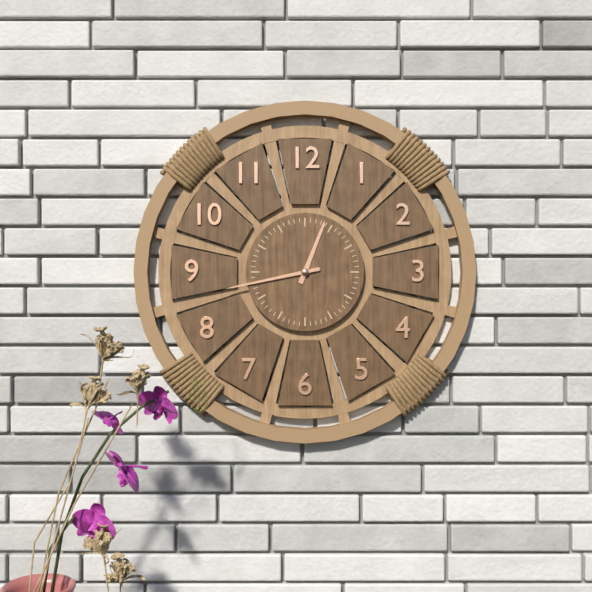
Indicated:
12.43
